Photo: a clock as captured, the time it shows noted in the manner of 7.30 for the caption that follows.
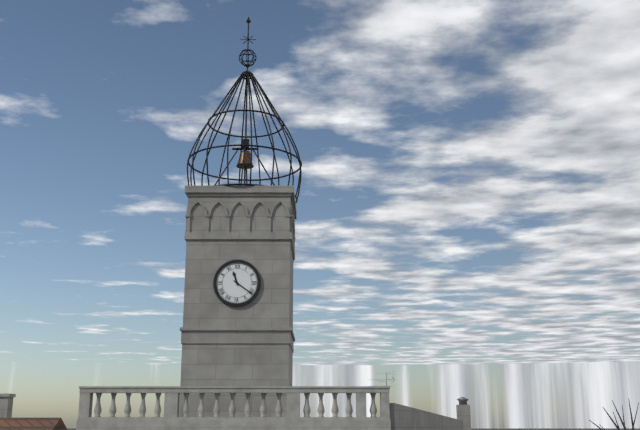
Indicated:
11.21
